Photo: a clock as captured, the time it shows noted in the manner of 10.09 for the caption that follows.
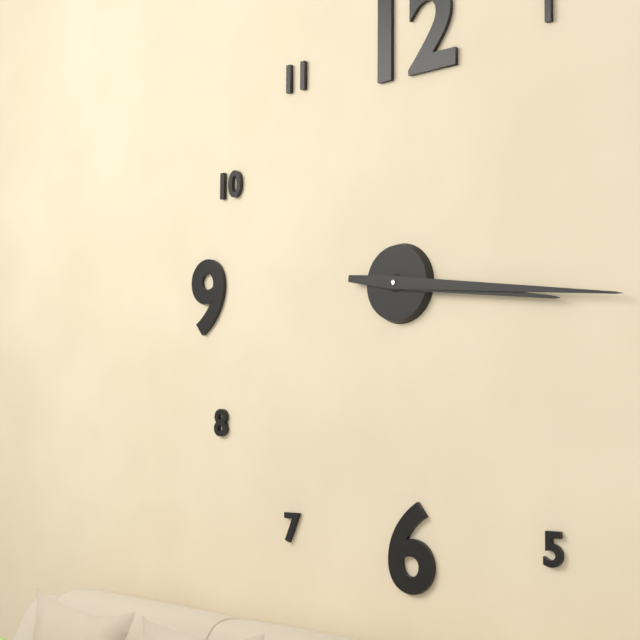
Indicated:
3.16
